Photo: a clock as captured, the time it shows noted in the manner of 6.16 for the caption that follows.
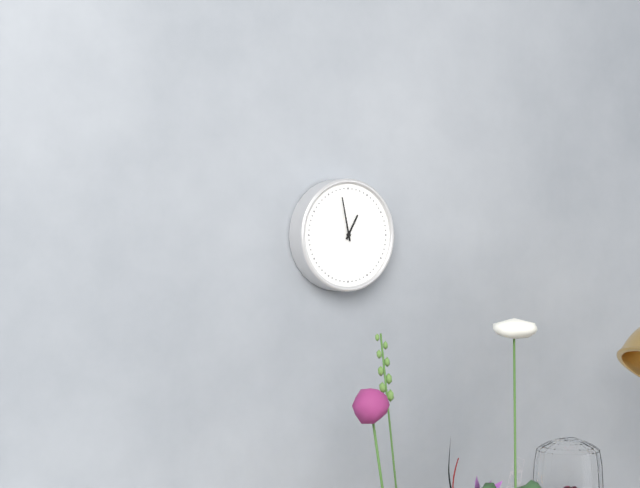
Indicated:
12.58
